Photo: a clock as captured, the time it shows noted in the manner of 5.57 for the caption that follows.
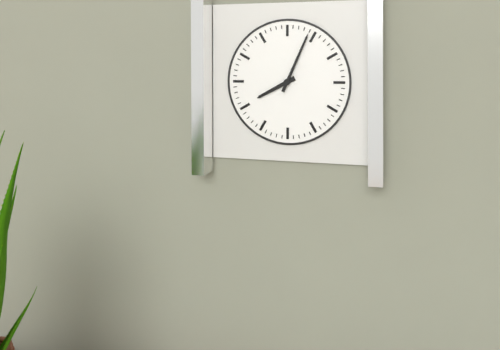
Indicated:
8.04
